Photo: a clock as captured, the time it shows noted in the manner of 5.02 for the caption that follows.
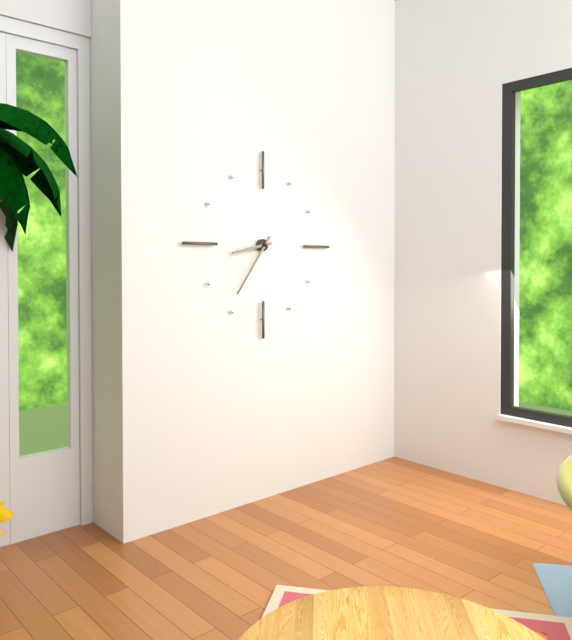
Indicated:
8.36
